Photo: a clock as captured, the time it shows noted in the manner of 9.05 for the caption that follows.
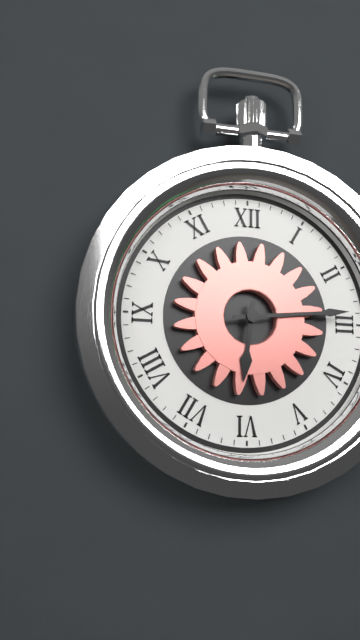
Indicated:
6.14
